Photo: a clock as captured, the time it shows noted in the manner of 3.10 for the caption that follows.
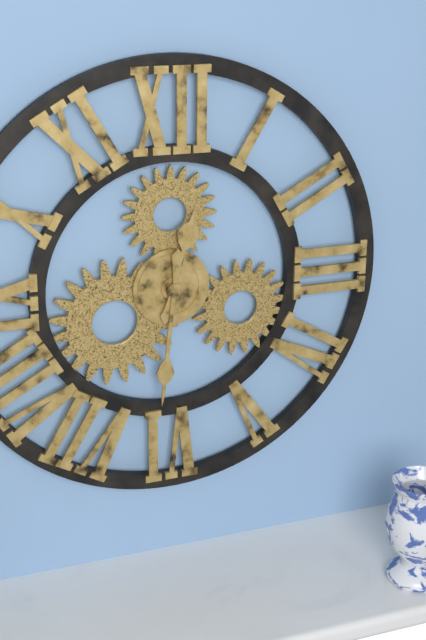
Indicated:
12.31
